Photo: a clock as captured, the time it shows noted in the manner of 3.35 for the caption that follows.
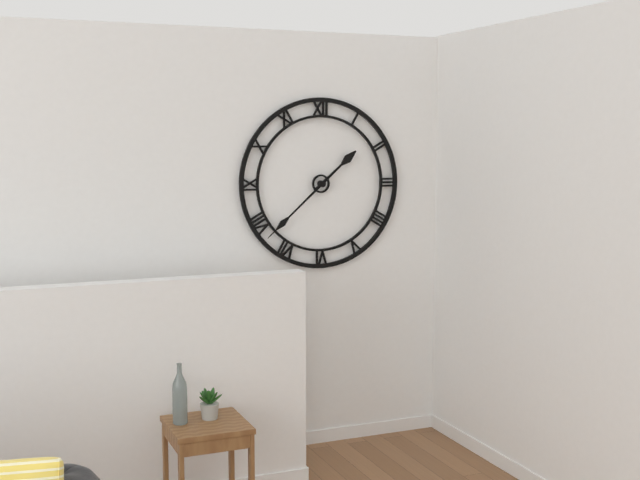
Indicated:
1.38
